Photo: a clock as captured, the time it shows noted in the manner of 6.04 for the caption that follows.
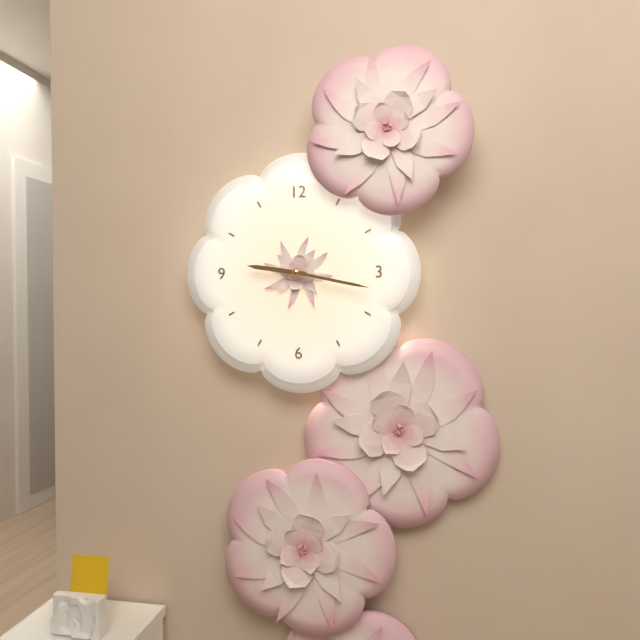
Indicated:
9.17
